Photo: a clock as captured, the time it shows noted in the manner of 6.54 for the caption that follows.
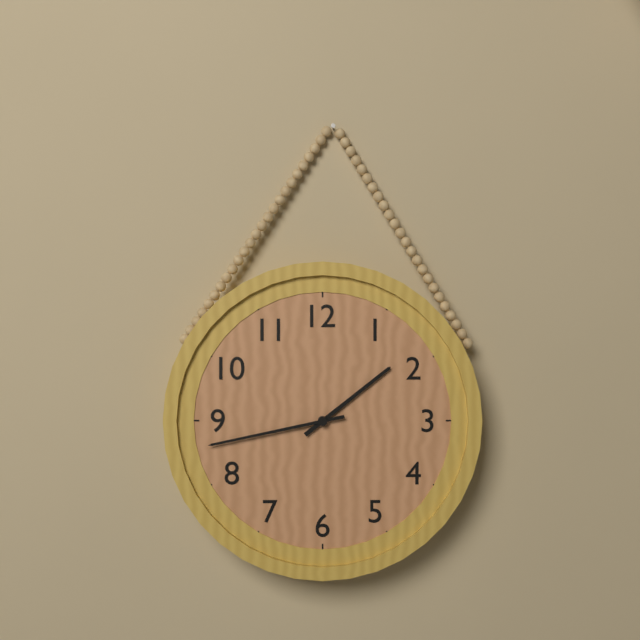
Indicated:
1.43
